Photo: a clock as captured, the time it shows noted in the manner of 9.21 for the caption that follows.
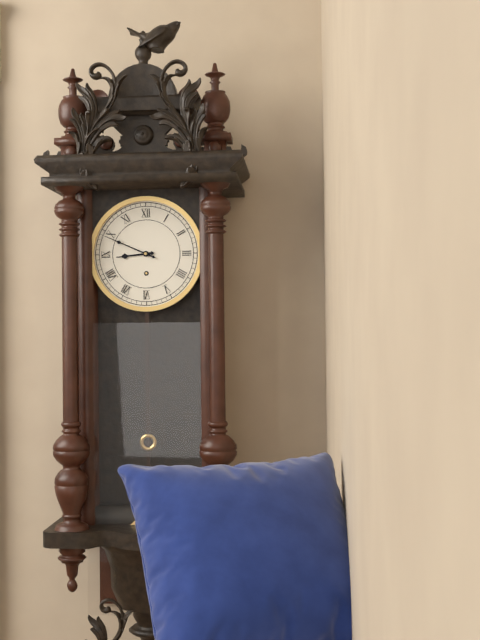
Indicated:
8.49
